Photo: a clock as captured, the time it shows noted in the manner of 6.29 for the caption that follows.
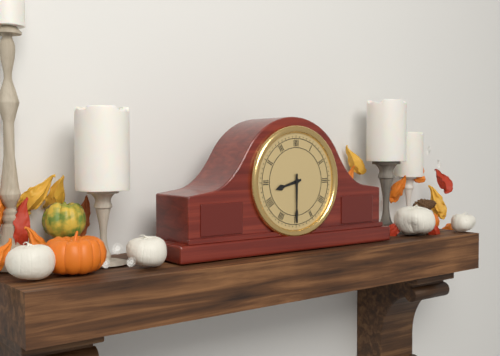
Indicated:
8.30
